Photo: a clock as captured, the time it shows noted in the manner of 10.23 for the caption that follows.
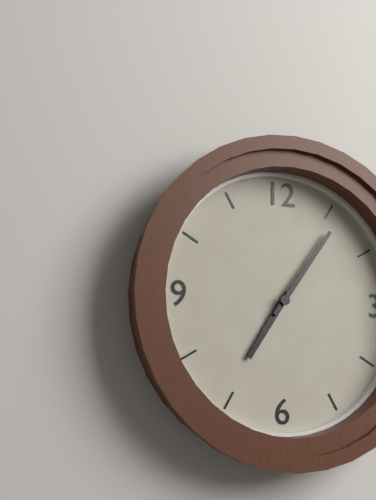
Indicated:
7.06
